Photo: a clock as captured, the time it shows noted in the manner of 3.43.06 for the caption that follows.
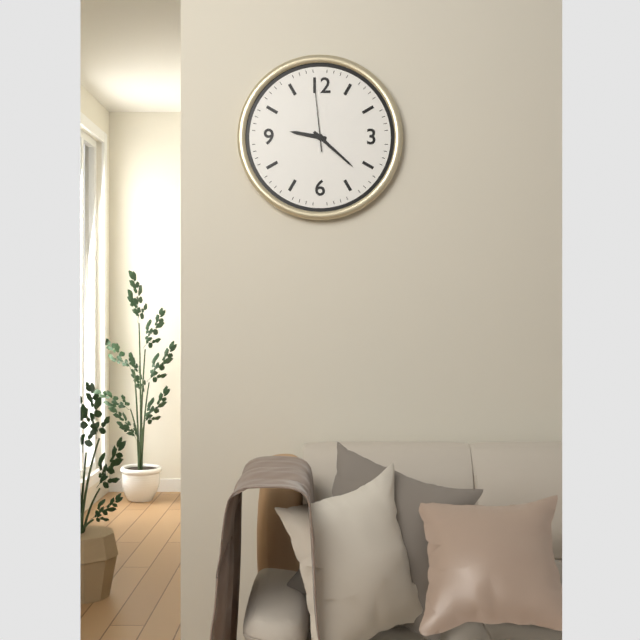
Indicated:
9.22.59
